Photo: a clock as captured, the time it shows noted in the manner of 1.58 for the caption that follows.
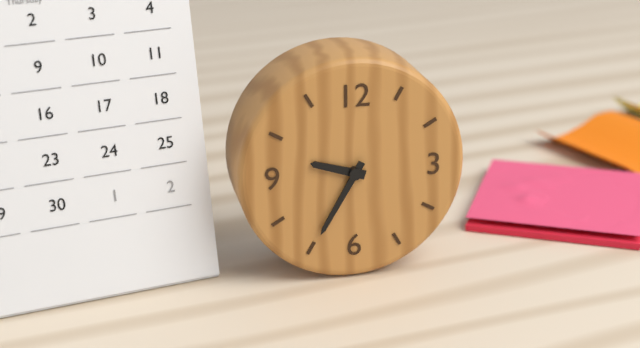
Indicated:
9.35
